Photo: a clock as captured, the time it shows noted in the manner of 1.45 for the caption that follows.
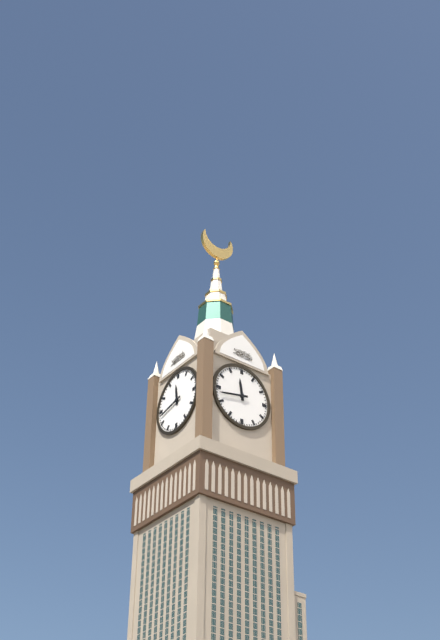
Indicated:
11.43
